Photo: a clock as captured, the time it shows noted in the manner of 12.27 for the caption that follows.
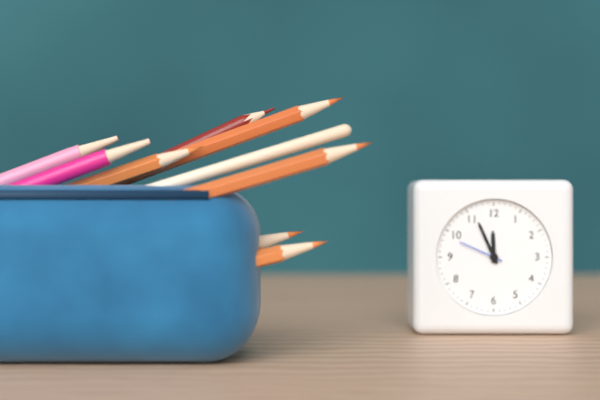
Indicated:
11.56
